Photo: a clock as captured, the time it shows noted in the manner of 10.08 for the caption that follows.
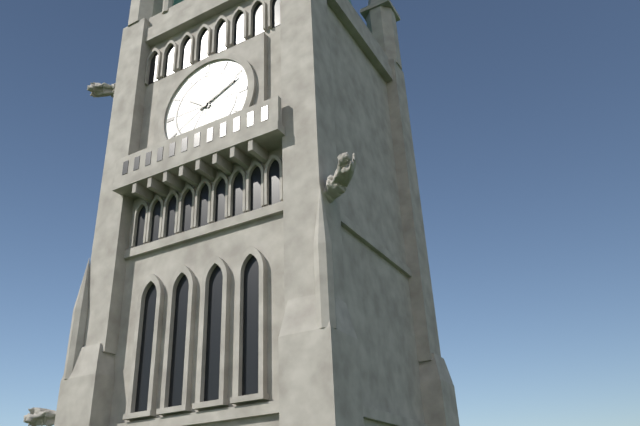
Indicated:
10.11
